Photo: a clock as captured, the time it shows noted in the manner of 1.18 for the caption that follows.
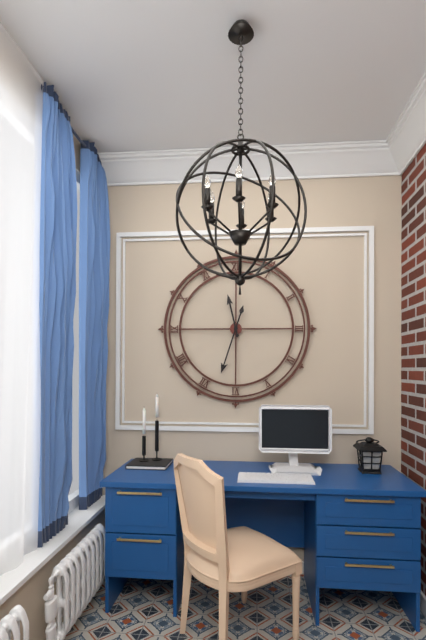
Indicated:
11.33
